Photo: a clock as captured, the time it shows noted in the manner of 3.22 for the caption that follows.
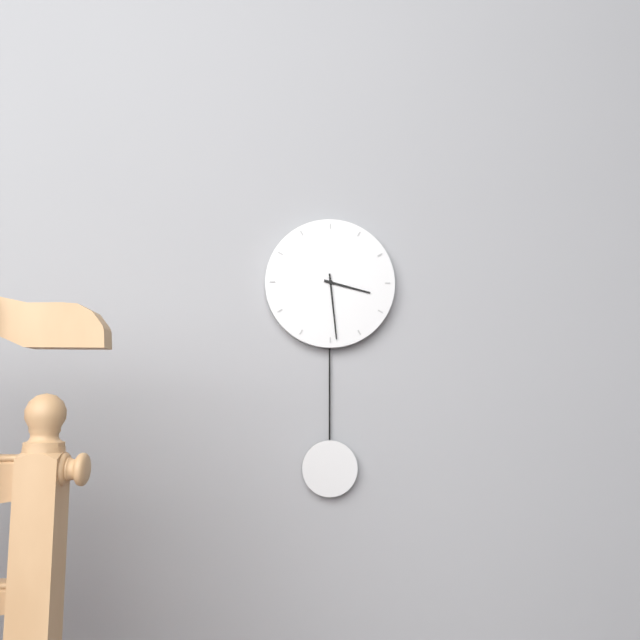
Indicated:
3.29
